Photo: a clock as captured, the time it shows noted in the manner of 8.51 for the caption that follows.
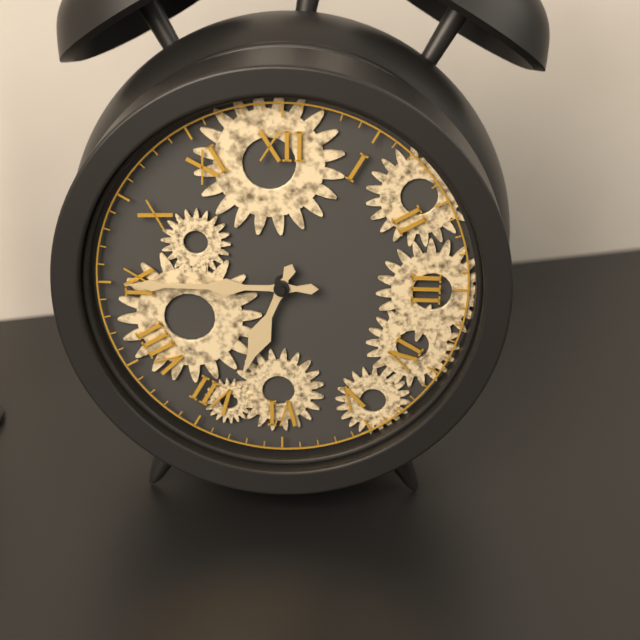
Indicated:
6.45
